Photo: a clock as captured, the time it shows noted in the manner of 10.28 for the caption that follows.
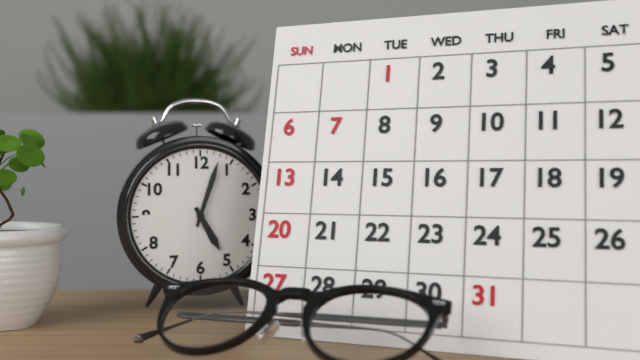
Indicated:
5.03
